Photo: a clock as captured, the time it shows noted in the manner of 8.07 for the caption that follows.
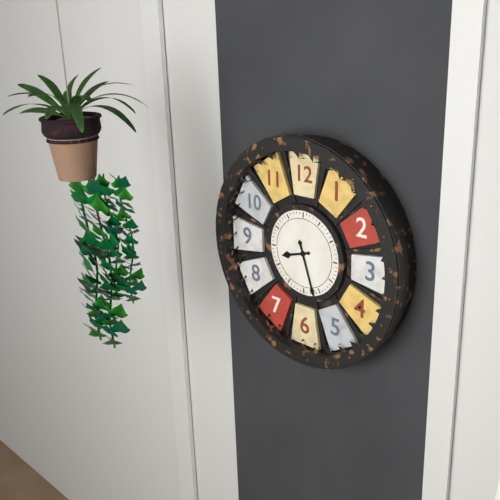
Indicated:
8.27
